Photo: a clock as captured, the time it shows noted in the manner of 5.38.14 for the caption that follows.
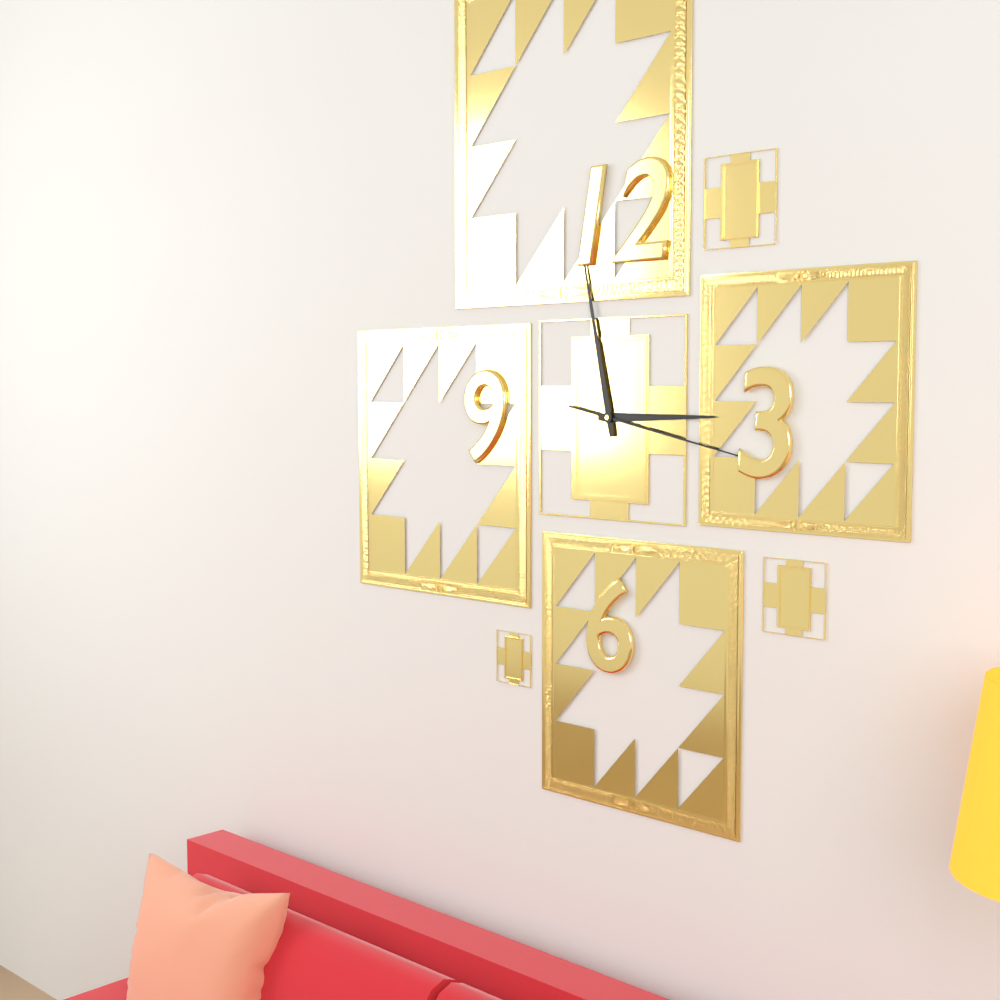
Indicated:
2.58.17
